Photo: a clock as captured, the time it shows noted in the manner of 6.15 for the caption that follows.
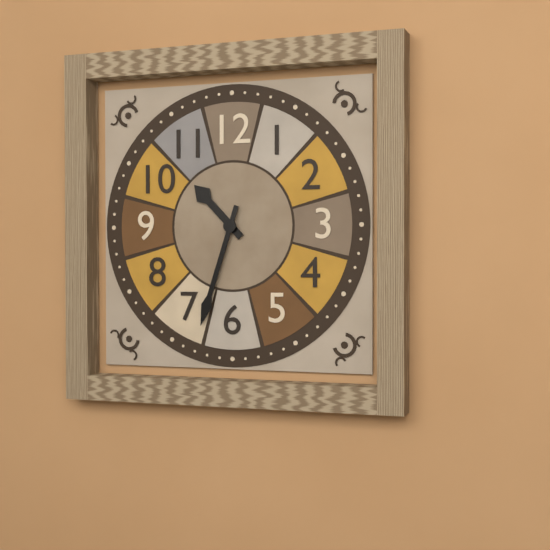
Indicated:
10.33
